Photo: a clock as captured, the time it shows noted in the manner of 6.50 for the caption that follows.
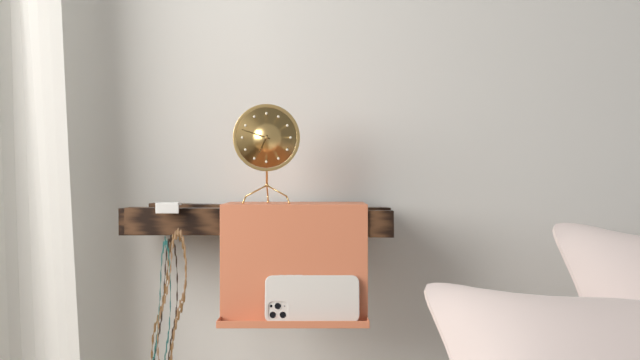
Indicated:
6.48
